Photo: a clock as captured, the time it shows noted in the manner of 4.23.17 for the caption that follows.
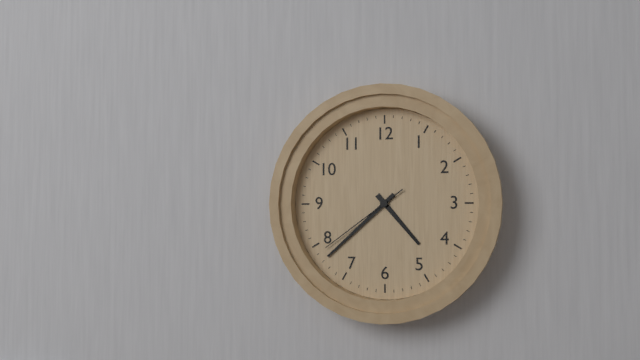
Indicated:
4.38.39
